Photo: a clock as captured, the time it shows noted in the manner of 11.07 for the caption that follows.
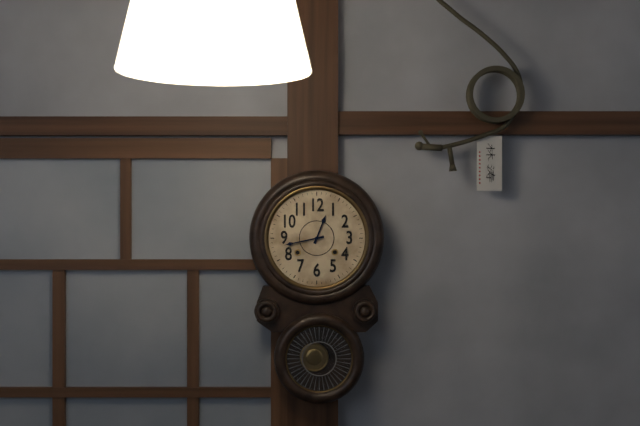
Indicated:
12.43
